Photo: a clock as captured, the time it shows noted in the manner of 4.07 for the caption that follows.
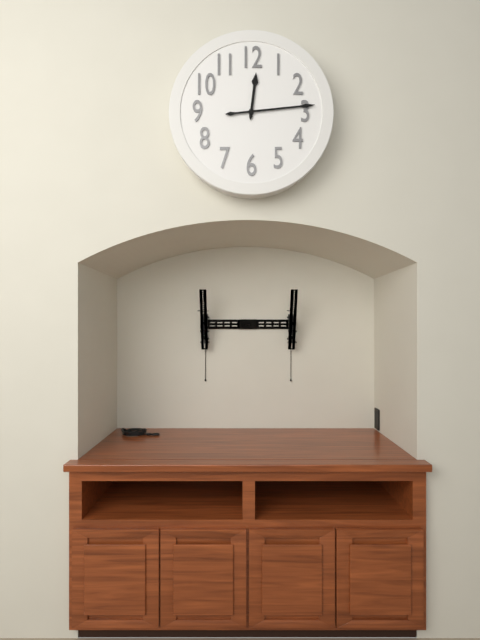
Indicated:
12.14
